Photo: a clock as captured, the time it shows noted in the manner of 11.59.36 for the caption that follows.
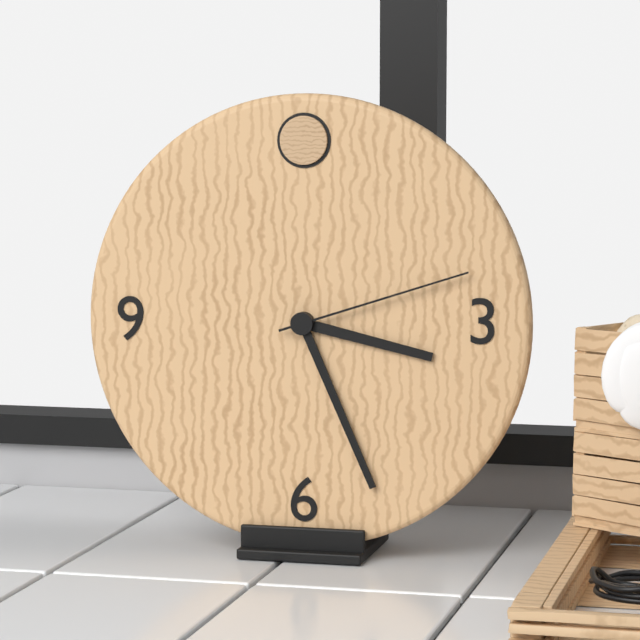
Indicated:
3.26.12
